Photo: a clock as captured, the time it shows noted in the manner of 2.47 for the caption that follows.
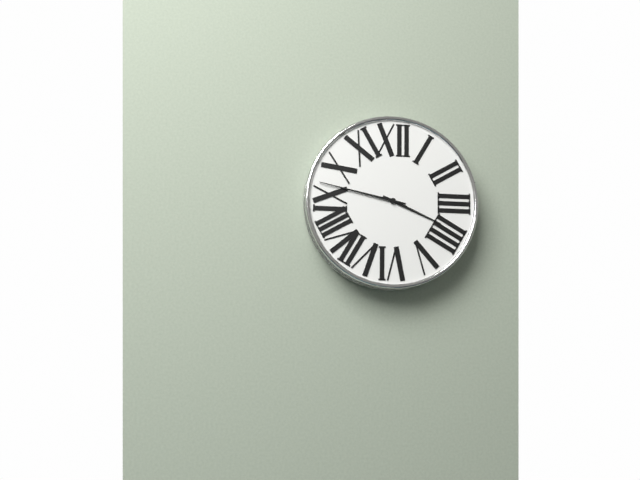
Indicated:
3.47
